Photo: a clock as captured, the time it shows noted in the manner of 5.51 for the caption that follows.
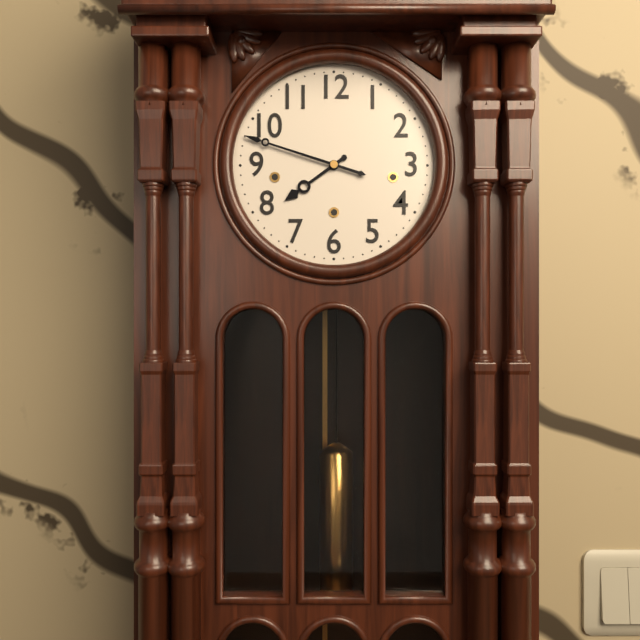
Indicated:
7.48
